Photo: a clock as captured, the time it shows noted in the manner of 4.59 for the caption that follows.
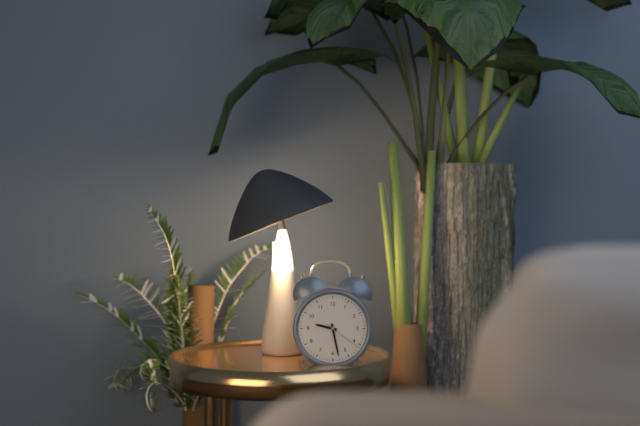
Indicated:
9.28
